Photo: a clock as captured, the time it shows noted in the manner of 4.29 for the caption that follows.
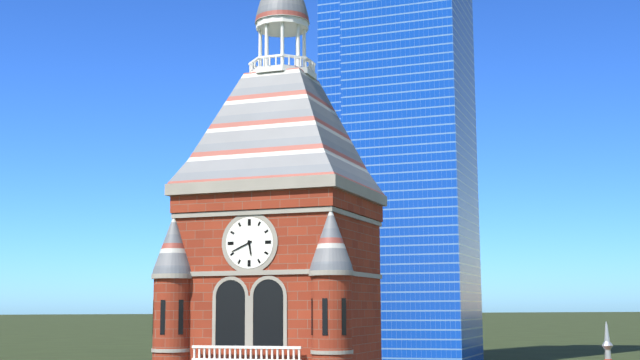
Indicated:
5.41
